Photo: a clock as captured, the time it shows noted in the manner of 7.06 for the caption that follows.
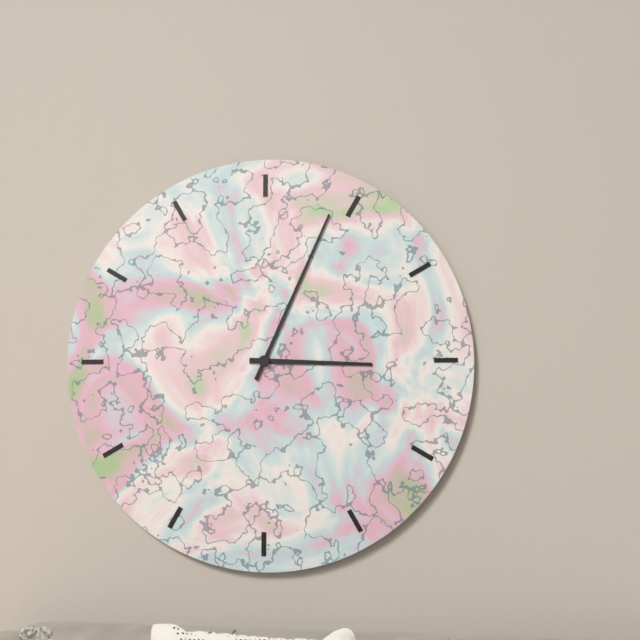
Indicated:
3.04
